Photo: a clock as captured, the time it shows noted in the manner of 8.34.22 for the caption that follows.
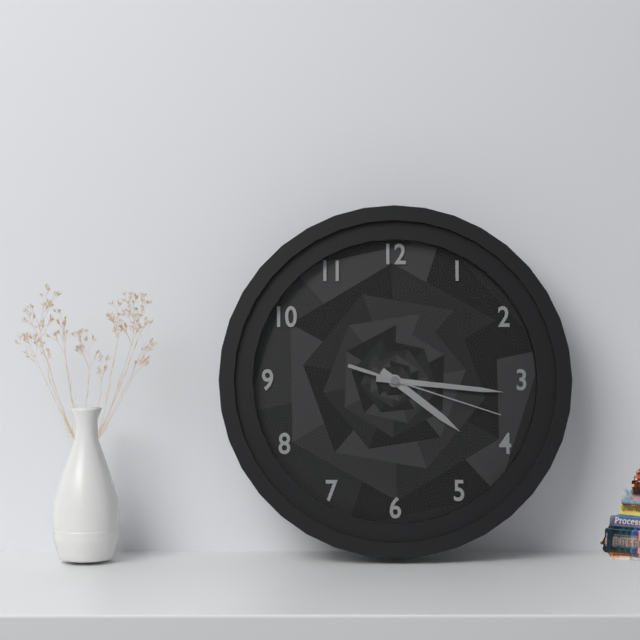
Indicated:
4.16.18
